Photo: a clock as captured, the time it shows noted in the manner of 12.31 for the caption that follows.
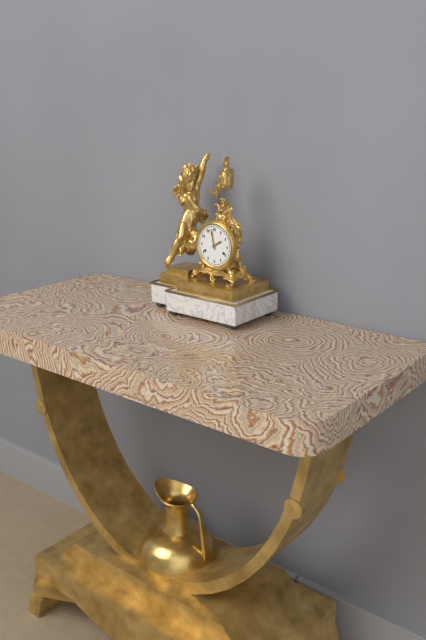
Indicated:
1.58
